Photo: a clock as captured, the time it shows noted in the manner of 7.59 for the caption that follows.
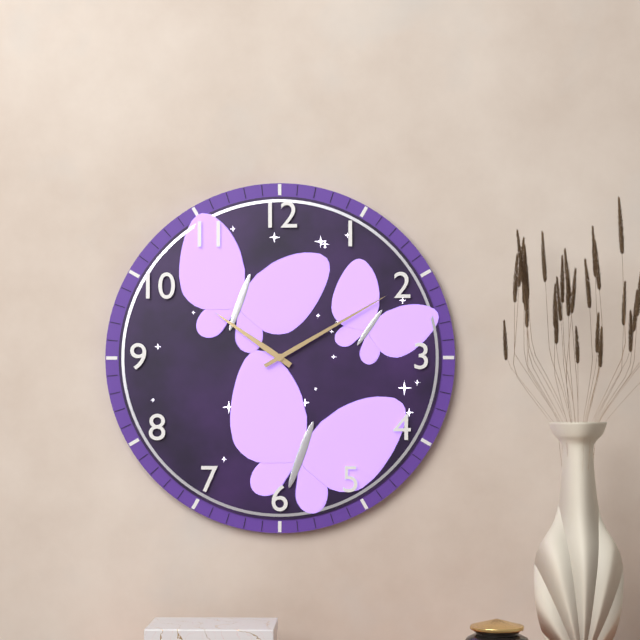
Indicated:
10.10
